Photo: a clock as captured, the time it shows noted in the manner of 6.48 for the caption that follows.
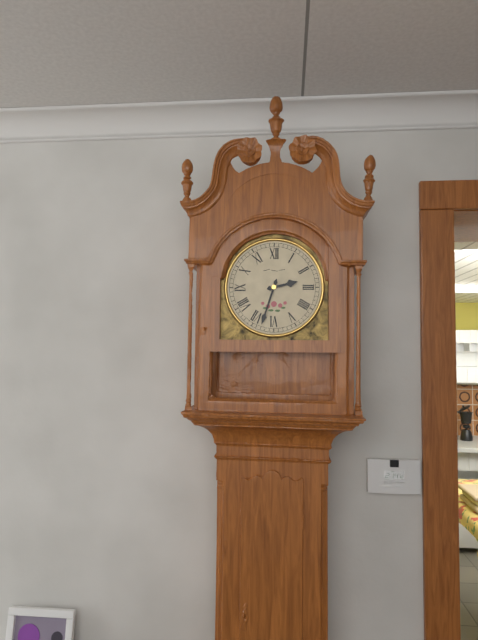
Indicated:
2.33
